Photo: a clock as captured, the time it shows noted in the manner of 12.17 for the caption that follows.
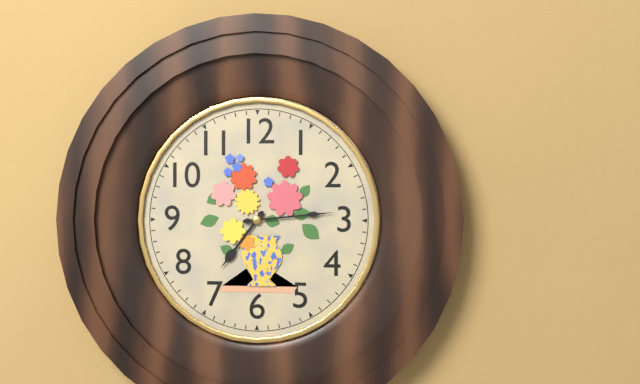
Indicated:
7.14
